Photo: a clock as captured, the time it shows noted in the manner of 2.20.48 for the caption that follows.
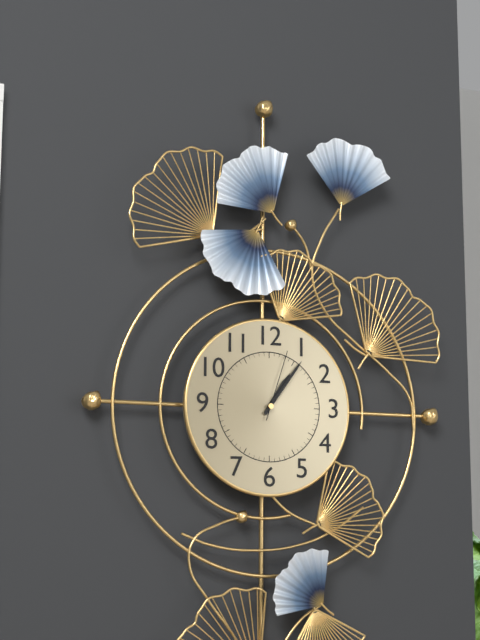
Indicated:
1.06.03
